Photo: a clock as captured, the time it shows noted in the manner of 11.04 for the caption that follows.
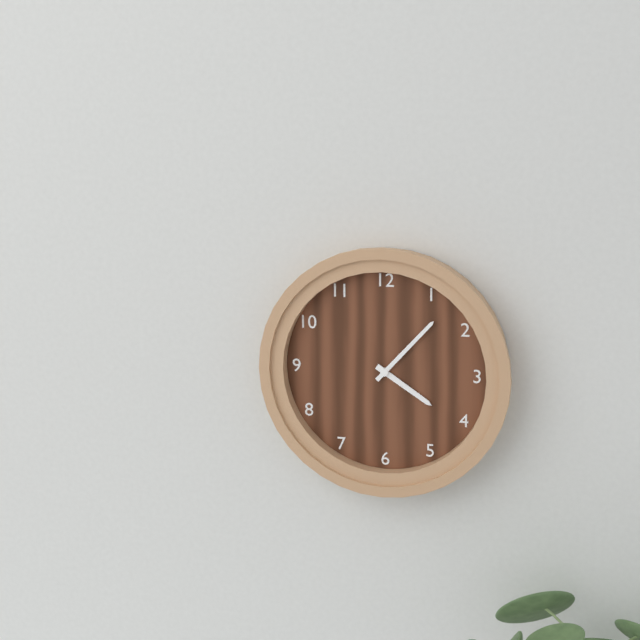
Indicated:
4.07
